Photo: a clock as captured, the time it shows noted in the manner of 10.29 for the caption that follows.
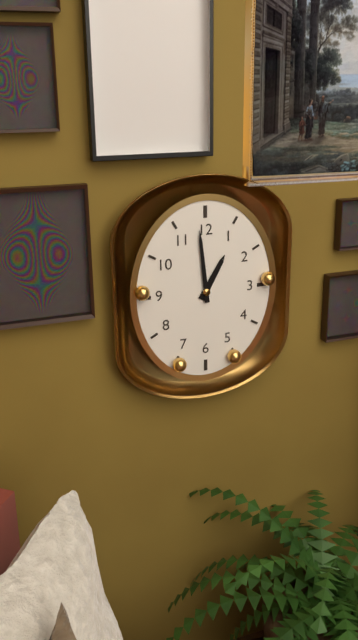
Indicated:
12.59
